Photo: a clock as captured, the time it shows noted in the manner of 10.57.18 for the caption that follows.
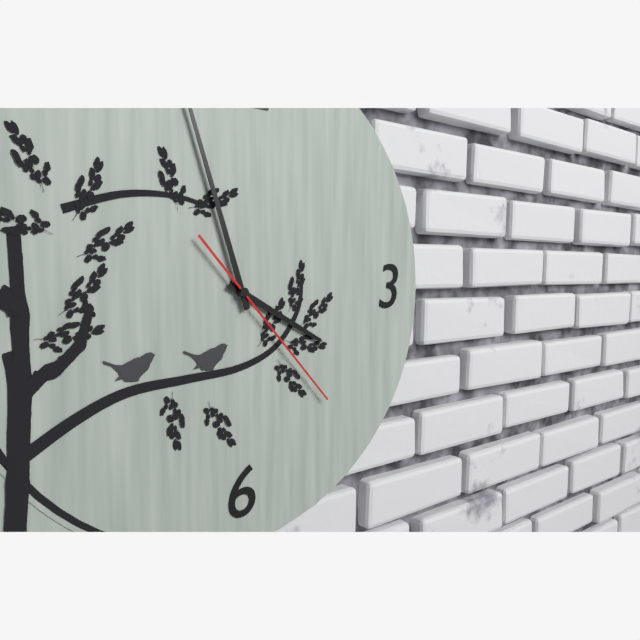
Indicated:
3.57.23
